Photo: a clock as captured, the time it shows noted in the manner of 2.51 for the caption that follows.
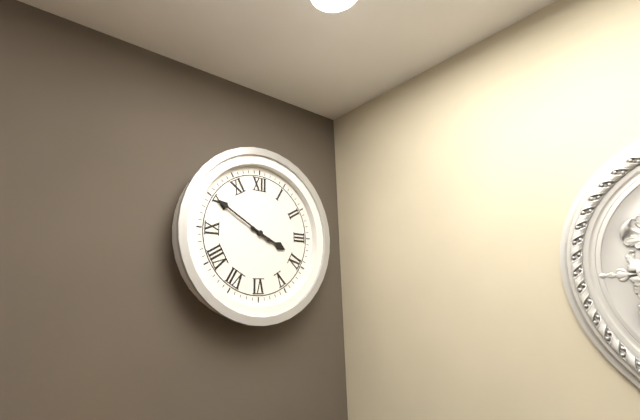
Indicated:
3.50
